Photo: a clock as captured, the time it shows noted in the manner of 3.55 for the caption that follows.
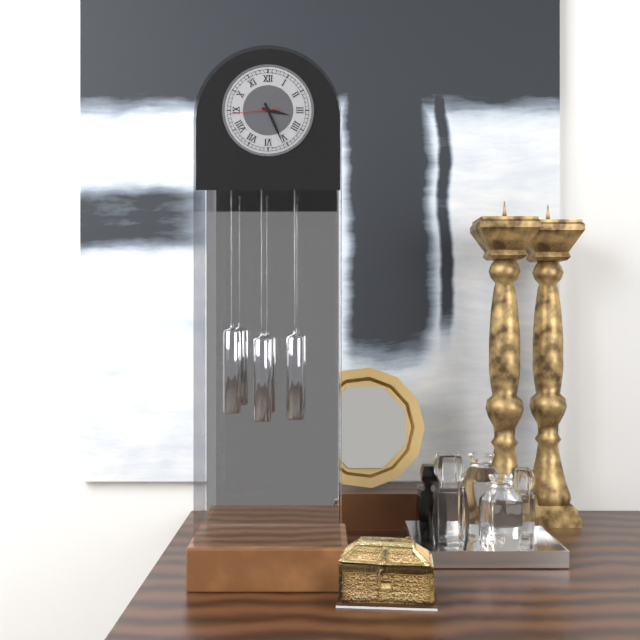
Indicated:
3.26
